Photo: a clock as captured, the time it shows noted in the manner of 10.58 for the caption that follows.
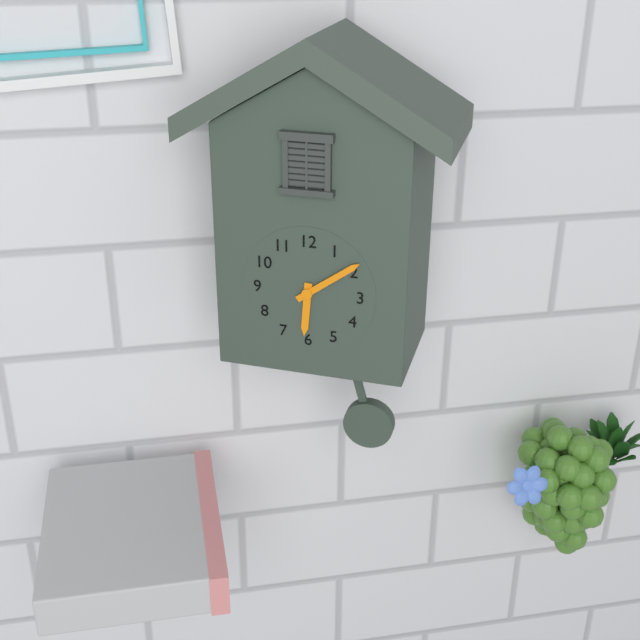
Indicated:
6.09
